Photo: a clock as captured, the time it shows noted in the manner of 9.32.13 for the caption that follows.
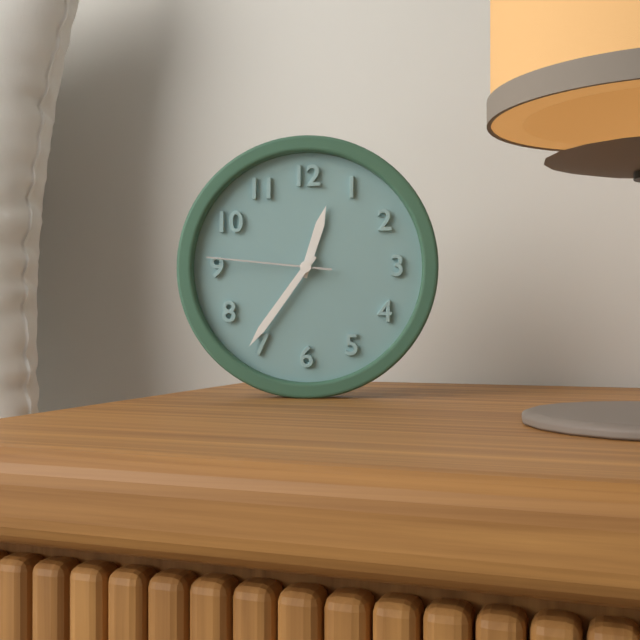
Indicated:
12.36.46
